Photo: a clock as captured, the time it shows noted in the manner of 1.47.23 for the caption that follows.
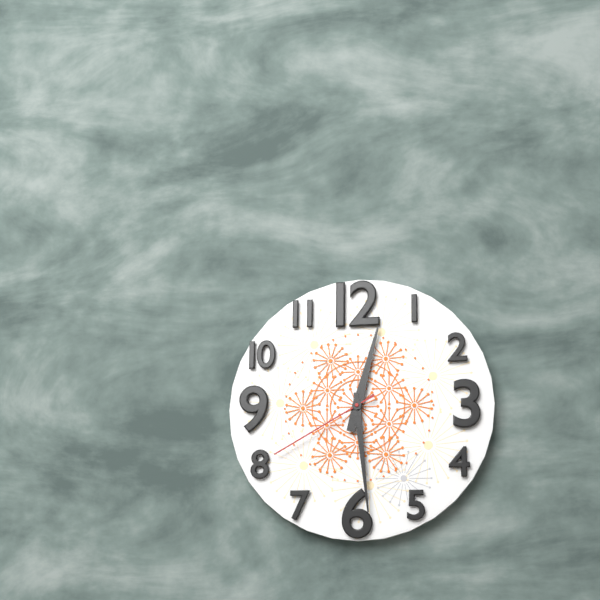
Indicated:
12.29.40
